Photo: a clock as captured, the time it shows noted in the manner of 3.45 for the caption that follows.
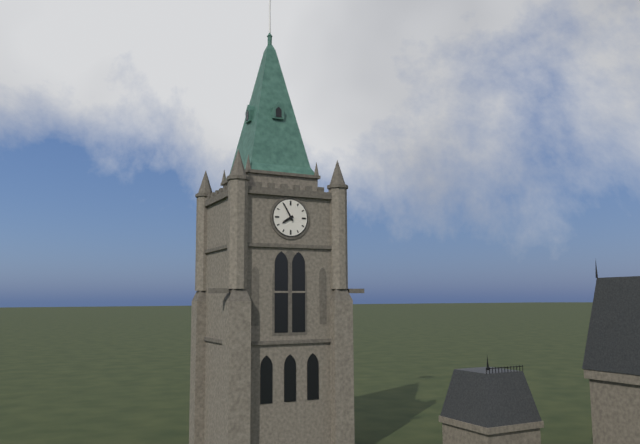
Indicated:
7.55
